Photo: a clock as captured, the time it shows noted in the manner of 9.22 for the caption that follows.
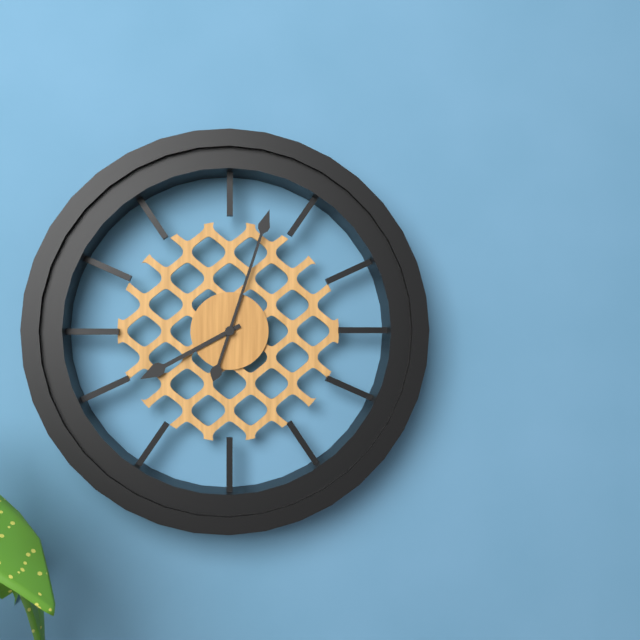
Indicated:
8.03
